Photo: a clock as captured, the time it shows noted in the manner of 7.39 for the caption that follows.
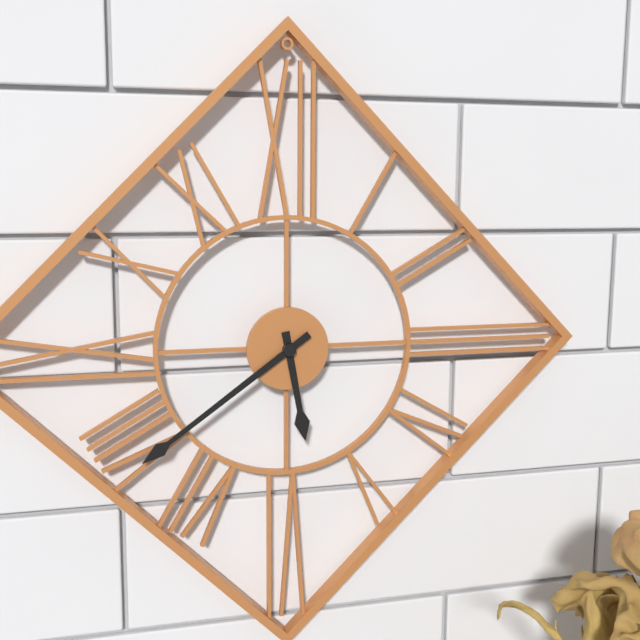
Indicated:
5.39
